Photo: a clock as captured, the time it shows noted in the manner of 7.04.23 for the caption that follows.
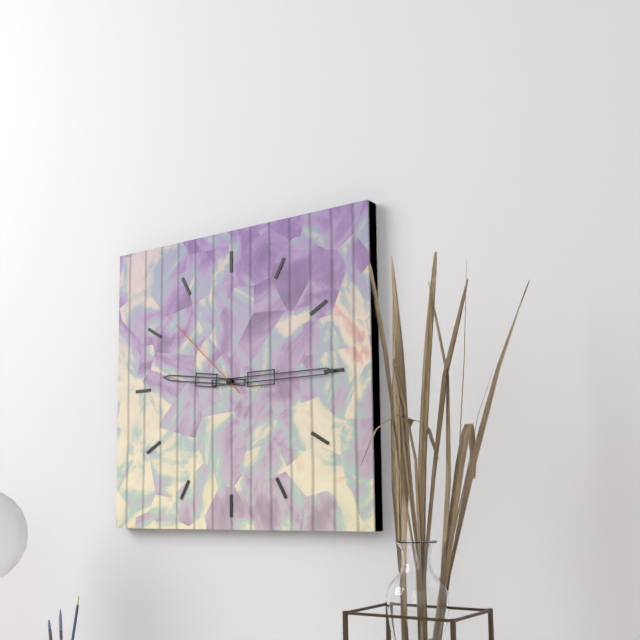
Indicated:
9.15.52
